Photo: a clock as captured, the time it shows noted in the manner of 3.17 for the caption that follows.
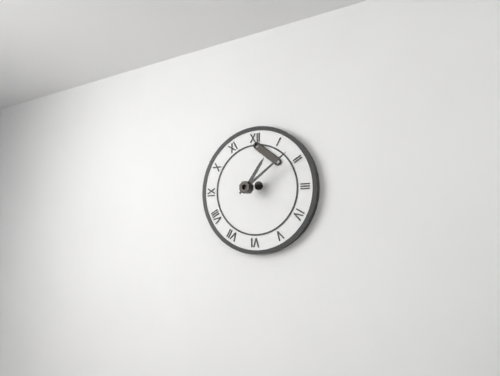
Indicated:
1.09
